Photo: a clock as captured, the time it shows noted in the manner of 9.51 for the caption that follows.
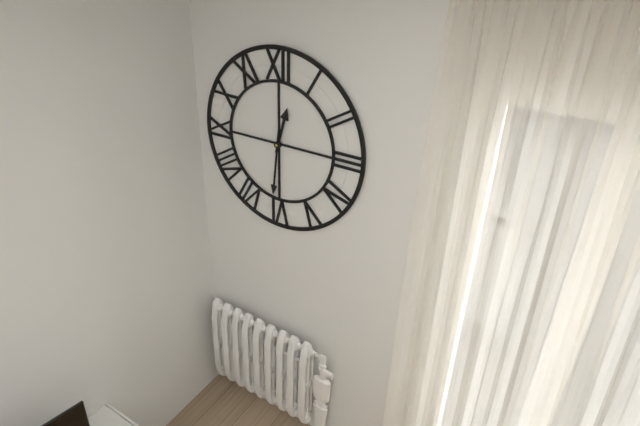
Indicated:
12.31
